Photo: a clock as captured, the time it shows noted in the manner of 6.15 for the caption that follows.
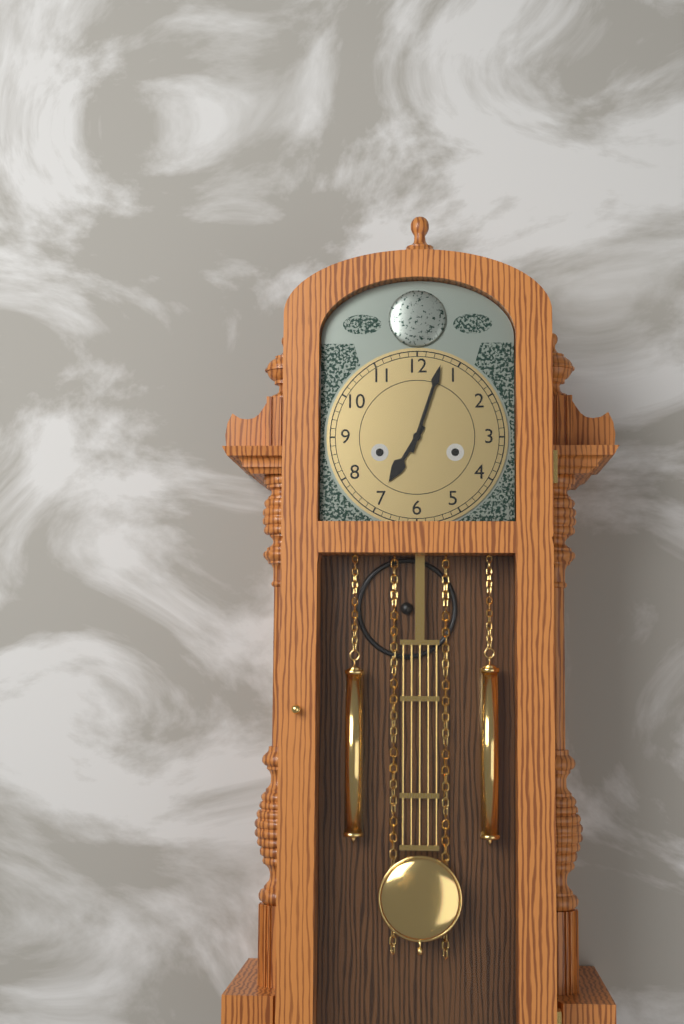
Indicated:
7.03
